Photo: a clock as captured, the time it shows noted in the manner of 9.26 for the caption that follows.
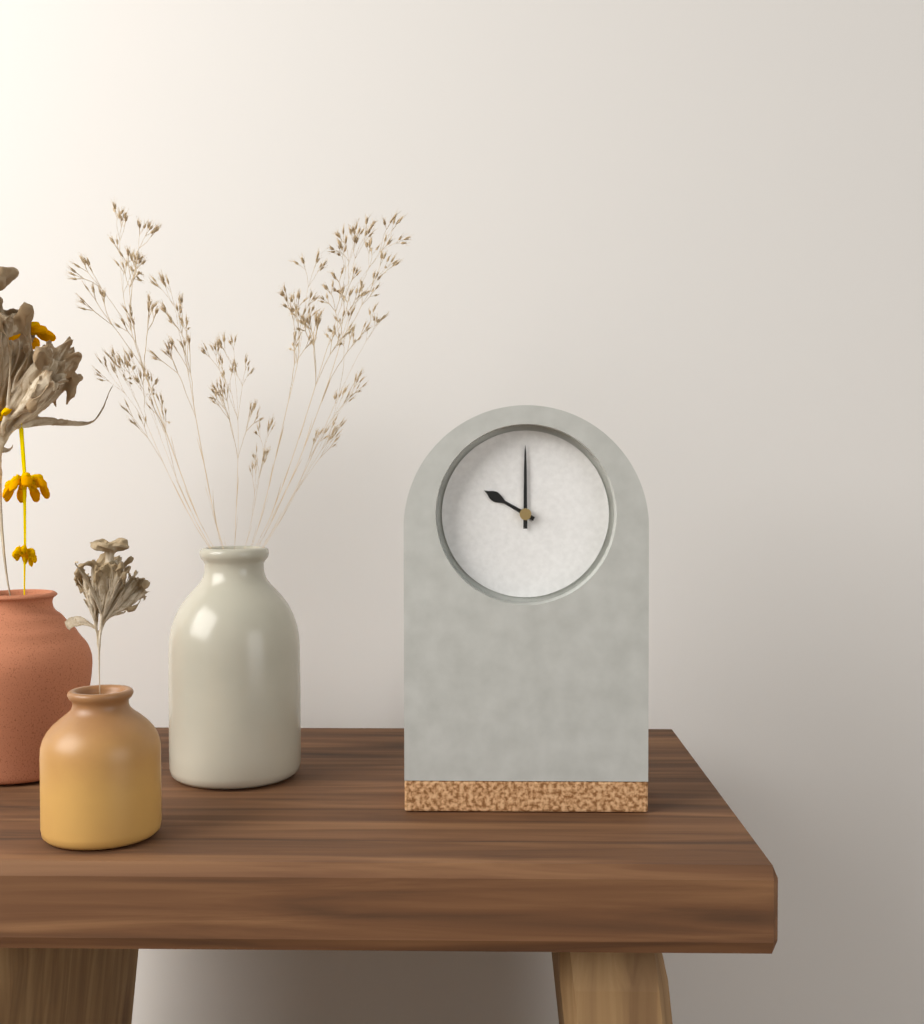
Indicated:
10.00
